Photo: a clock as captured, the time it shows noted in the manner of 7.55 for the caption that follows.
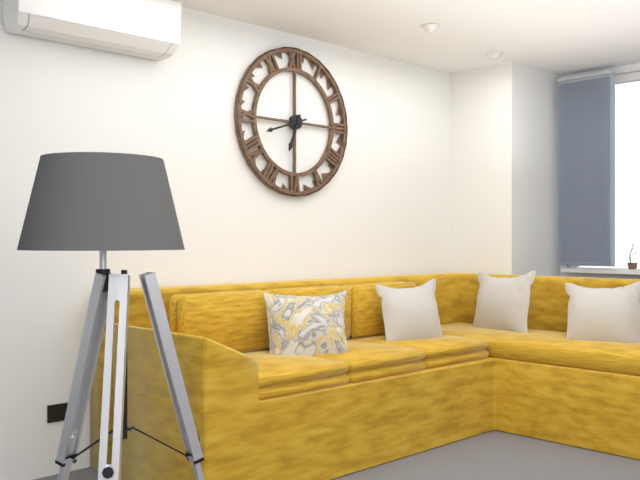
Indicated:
6.42
